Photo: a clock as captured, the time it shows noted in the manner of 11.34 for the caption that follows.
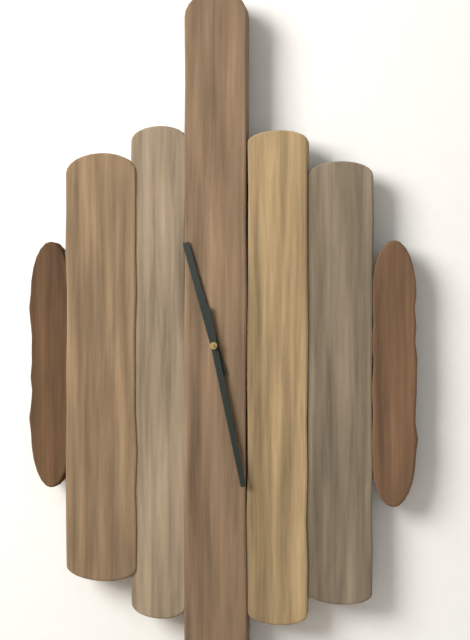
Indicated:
11.28
